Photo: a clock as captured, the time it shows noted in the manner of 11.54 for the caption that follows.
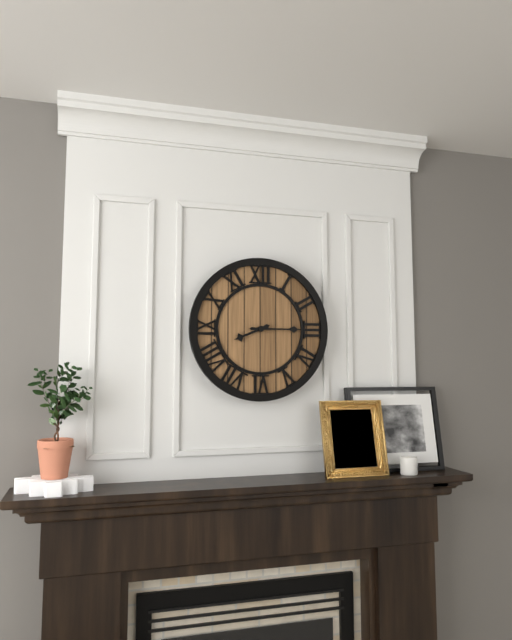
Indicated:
8.15
